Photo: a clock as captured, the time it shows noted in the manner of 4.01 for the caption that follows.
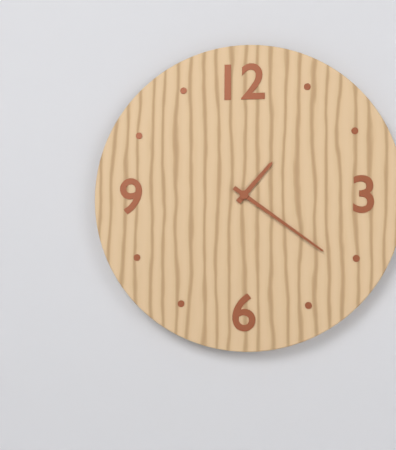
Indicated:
1.21
